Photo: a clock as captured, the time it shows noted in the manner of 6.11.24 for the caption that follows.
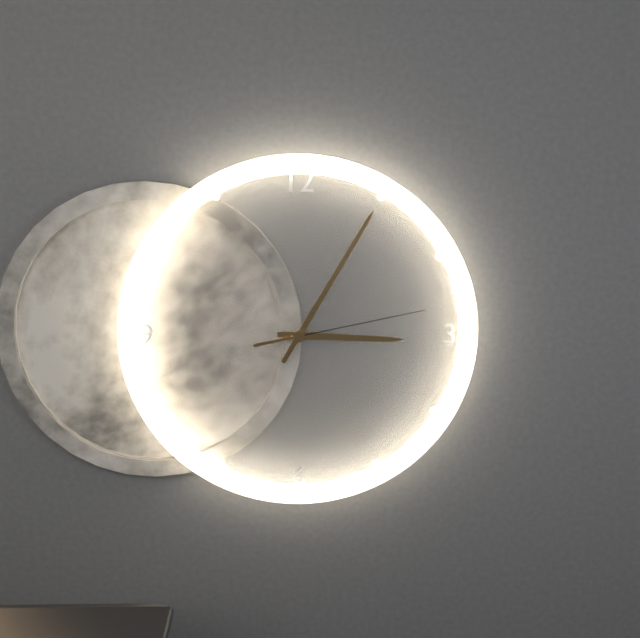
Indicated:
3.05.13
